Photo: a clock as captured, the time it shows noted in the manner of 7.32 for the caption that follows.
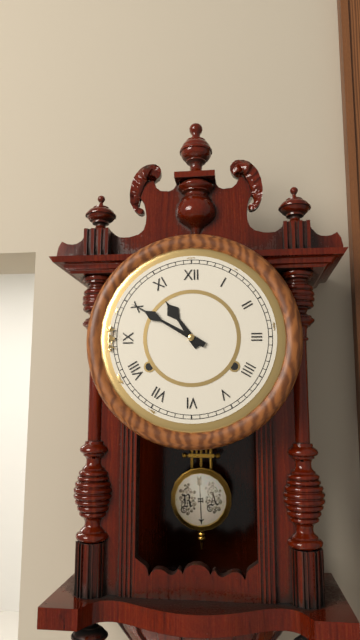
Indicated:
10.50
